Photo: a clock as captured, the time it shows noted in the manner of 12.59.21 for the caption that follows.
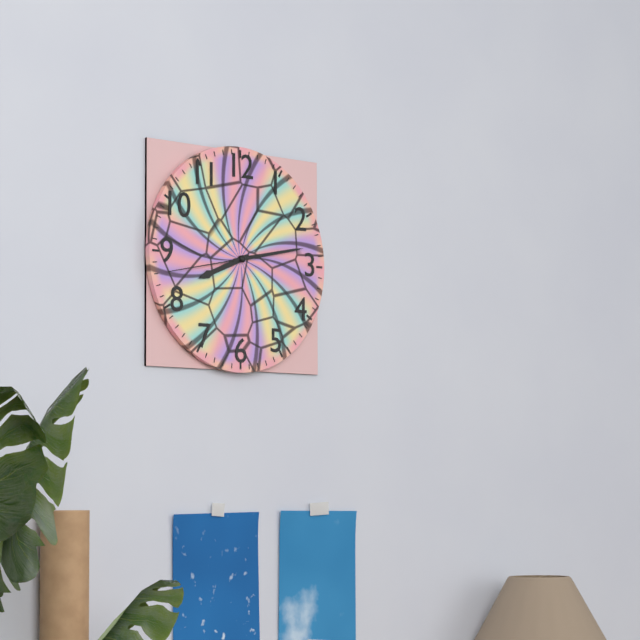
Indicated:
8.13.43
